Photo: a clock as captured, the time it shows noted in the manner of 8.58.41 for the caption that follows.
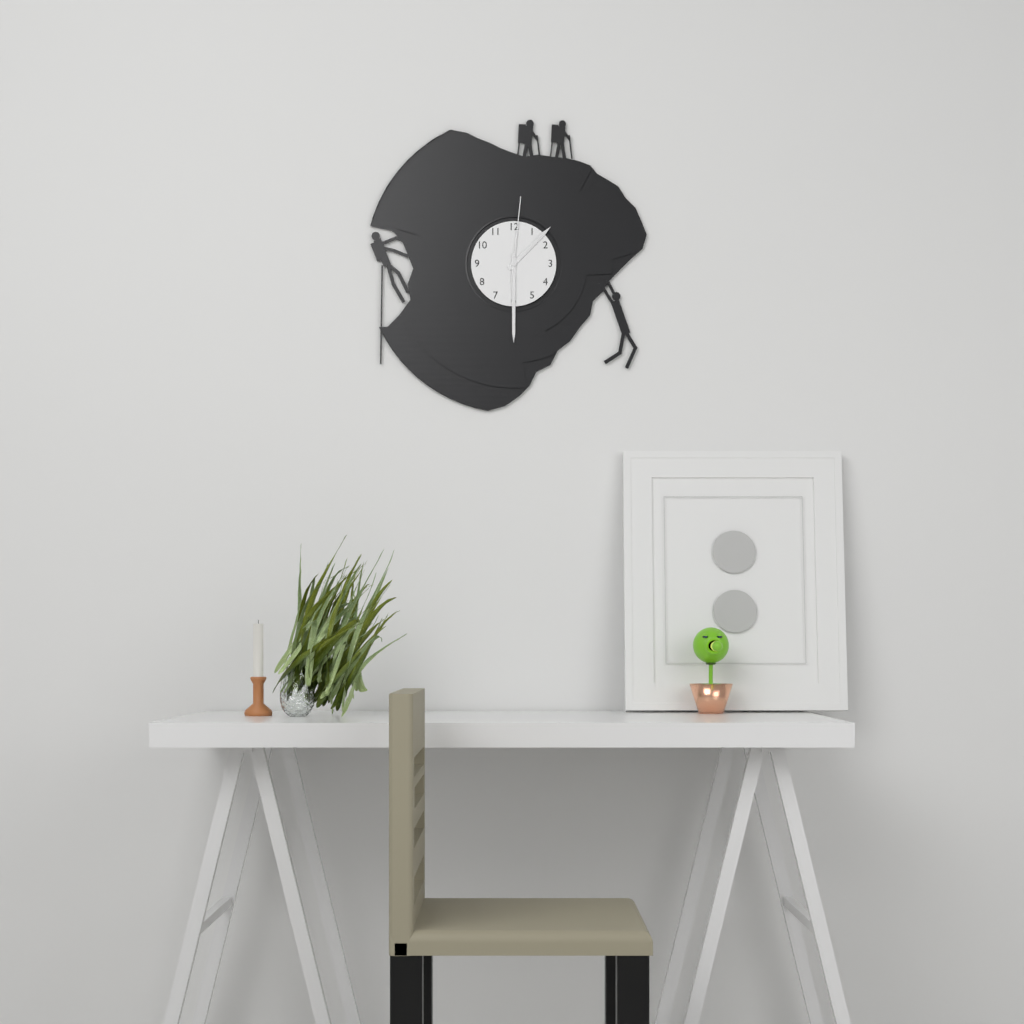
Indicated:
1.30.01
